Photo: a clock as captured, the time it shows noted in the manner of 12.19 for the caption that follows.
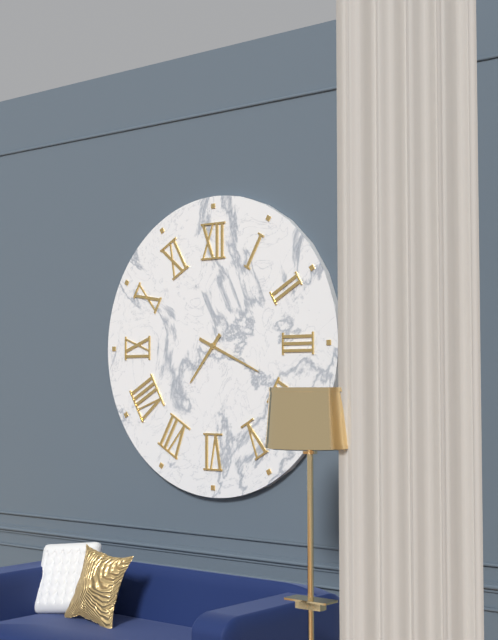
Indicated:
7.19
